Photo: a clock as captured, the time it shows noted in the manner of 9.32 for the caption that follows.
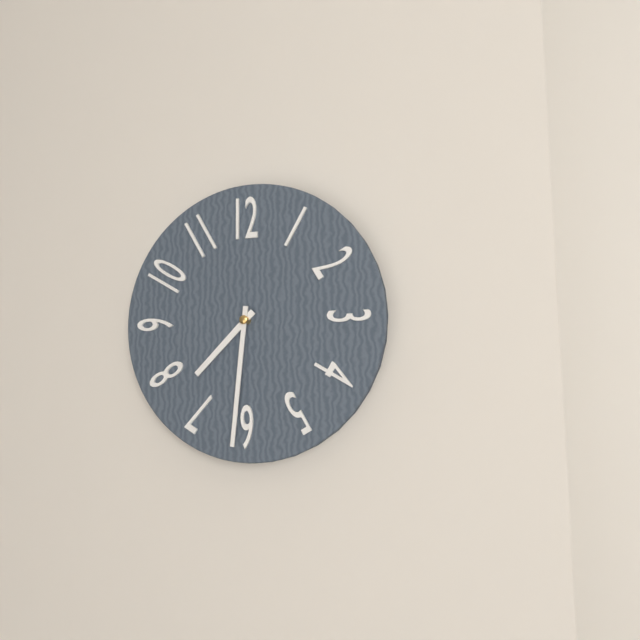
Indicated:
7.31
